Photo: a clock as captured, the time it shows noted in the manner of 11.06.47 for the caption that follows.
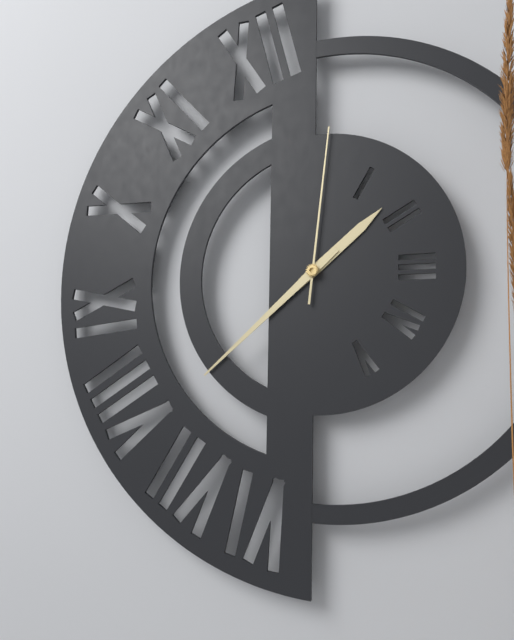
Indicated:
1.38.01
